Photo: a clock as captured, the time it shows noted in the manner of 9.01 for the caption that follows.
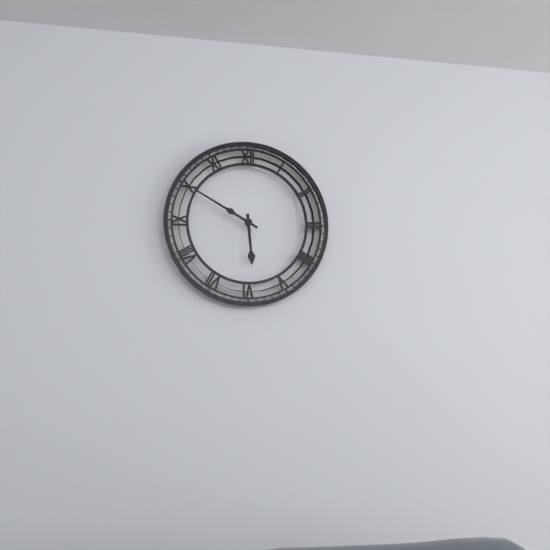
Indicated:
5.50
